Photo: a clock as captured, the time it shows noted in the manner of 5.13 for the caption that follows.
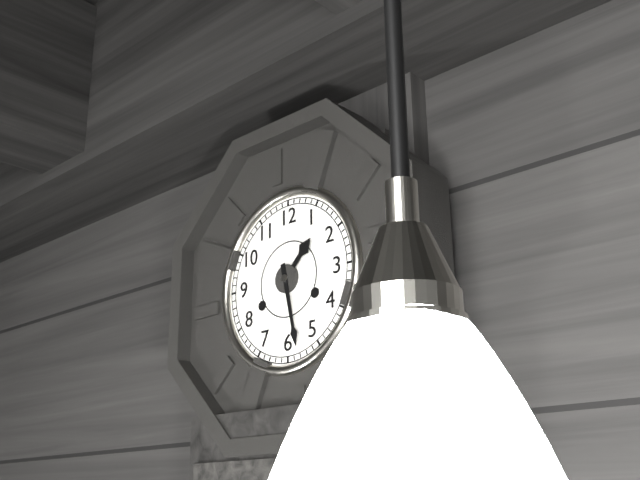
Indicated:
1.28
